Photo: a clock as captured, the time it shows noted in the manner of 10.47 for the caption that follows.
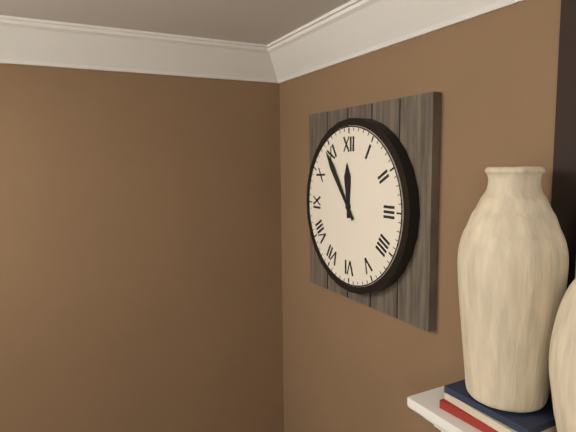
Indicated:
11.54
